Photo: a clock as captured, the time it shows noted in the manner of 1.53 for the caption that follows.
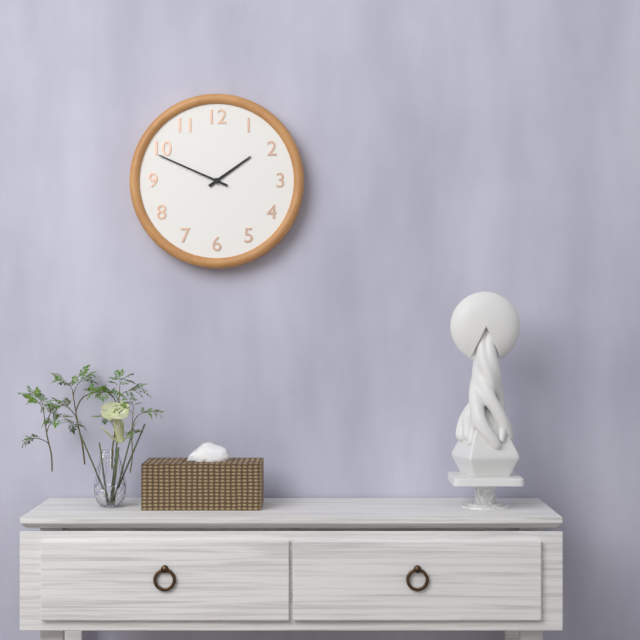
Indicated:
1.49
